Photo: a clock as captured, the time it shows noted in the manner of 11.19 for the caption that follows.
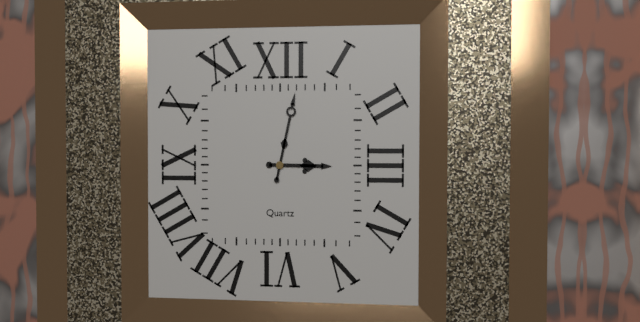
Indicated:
3.02
